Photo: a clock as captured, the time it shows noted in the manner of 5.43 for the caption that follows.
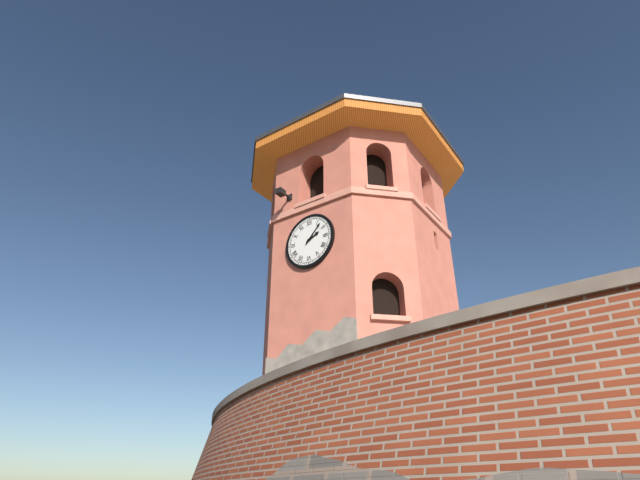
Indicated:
2.07
